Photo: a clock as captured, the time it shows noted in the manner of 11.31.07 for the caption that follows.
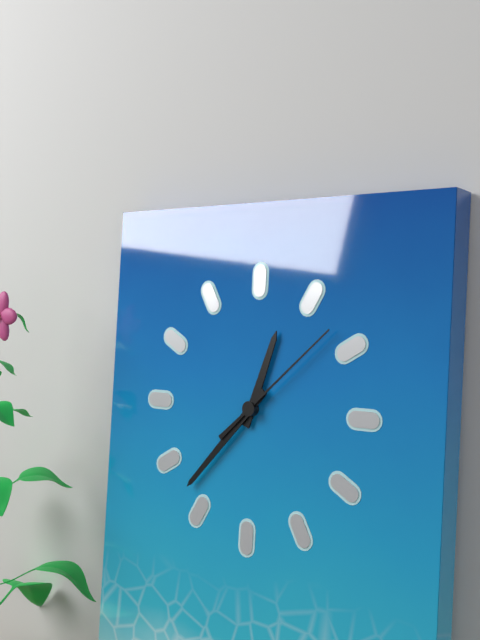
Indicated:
12.37.08
